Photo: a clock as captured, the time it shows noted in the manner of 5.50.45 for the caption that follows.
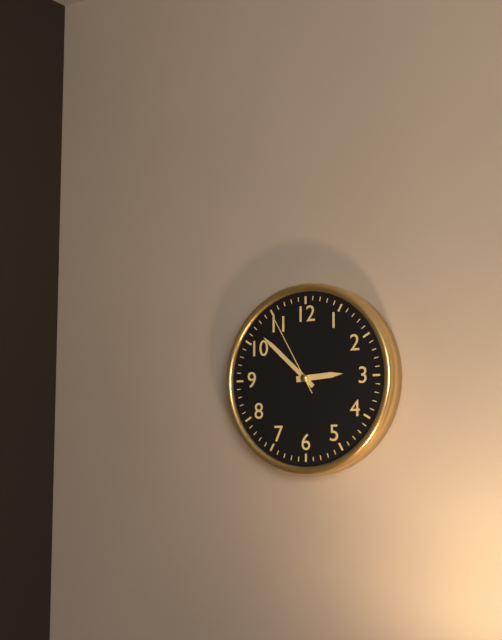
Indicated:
2.52.55
